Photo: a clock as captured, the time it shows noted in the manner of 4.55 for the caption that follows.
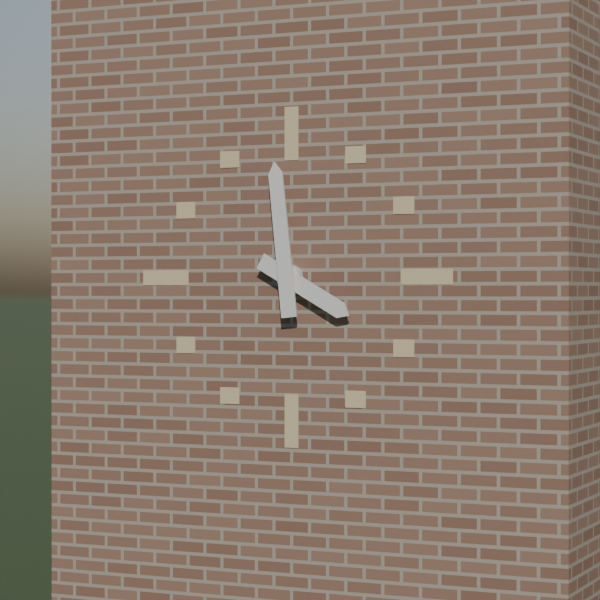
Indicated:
3.59
